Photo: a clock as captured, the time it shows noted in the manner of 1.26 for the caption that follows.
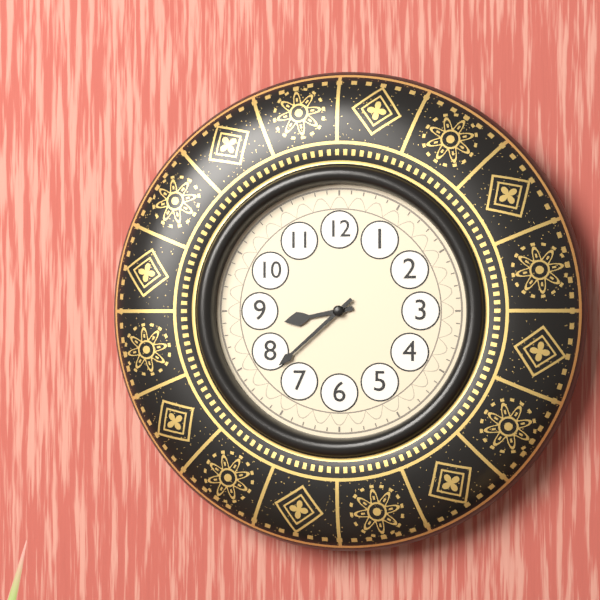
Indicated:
8.38
